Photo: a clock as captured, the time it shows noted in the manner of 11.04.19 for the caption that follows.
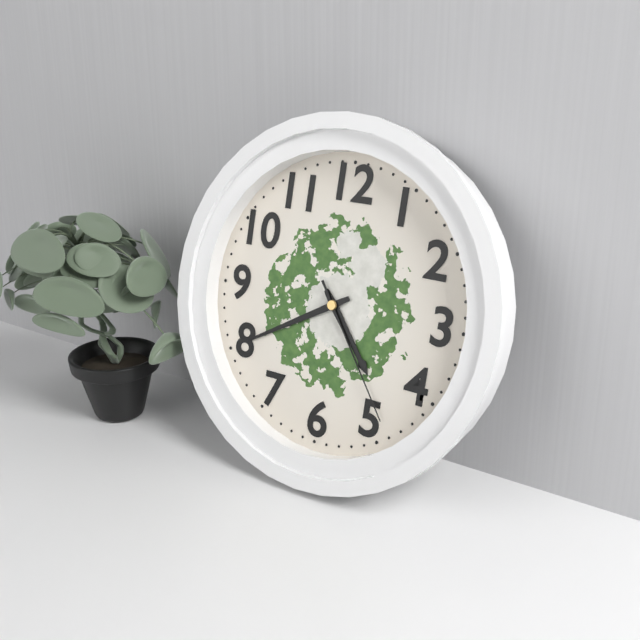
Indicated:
4.40.24
